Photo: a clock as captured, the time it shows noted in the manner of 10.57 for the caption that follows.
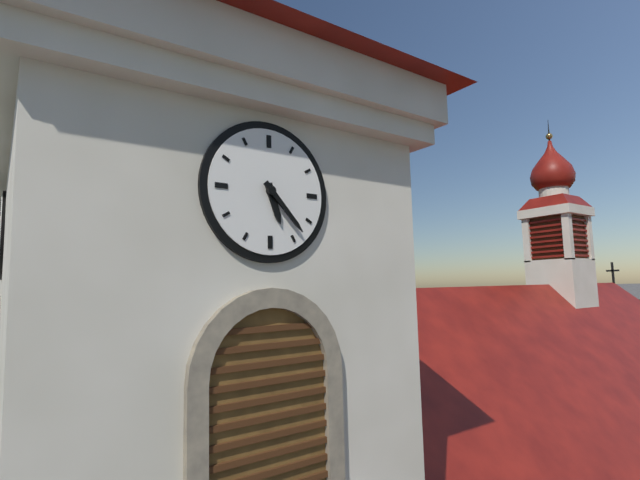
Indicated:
5.23
